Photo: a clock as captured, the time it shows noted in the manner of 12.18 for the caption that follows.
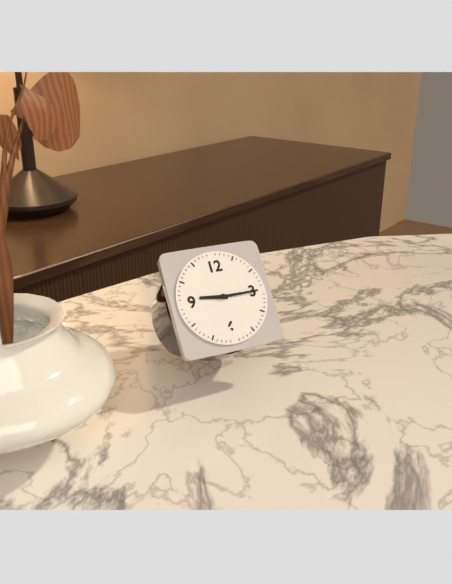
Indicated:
9.15
